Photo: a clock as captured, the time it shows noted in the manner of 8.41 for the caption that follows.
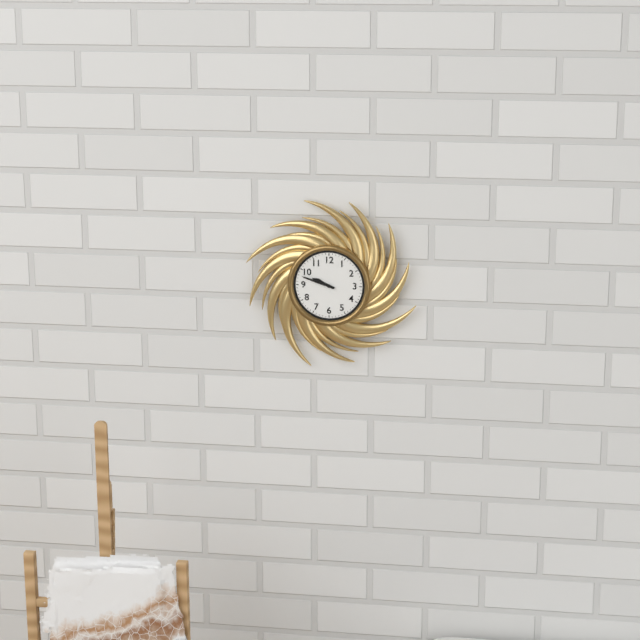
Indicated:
9.48
